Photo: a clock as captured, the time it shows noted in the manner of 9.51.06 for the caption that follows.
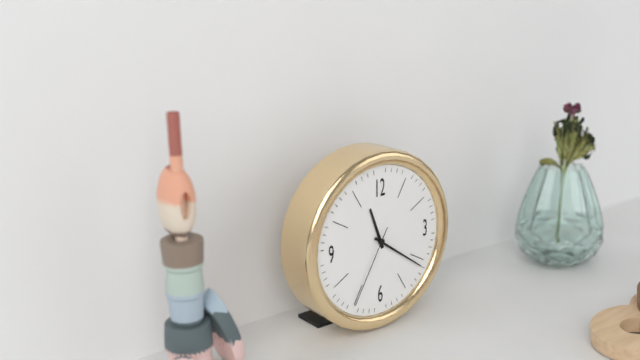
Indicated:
11.21.35
